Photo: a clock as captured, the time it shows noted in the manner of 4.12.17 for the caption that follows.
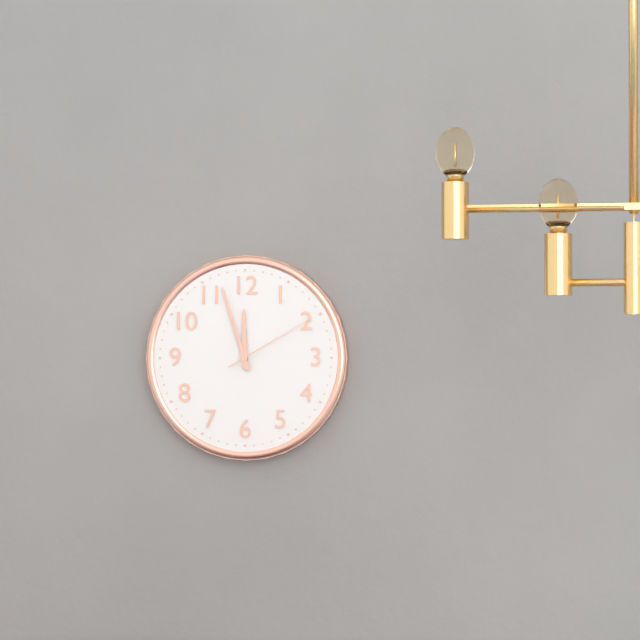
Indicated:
11.57.10
